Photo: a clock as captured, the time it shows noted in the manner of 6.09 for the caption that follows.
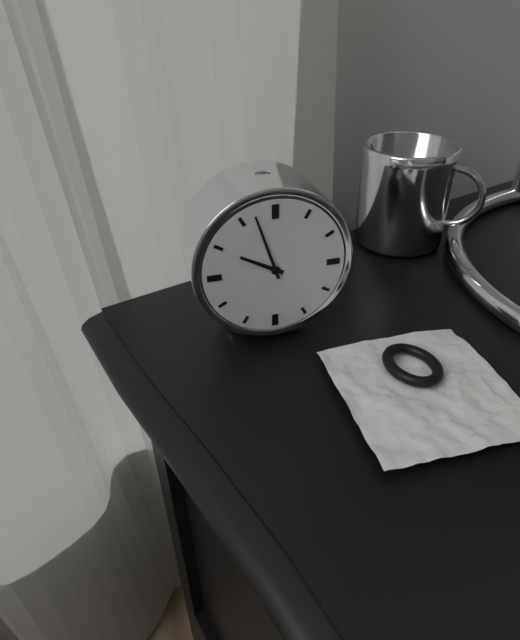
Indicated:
9.57
